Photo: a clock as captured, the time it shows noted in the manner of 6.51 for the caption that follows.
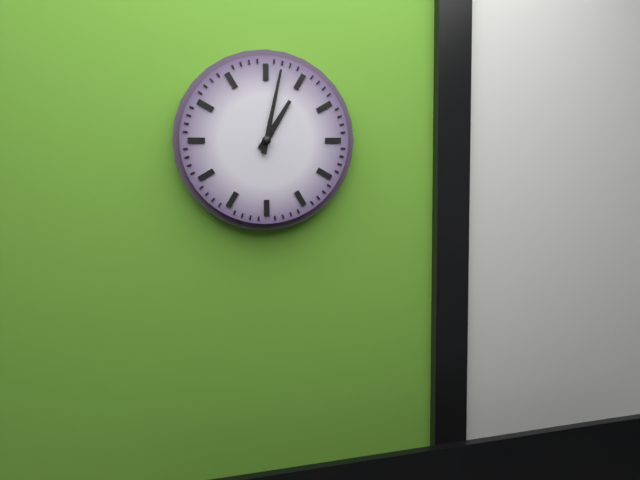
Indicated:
1.02
